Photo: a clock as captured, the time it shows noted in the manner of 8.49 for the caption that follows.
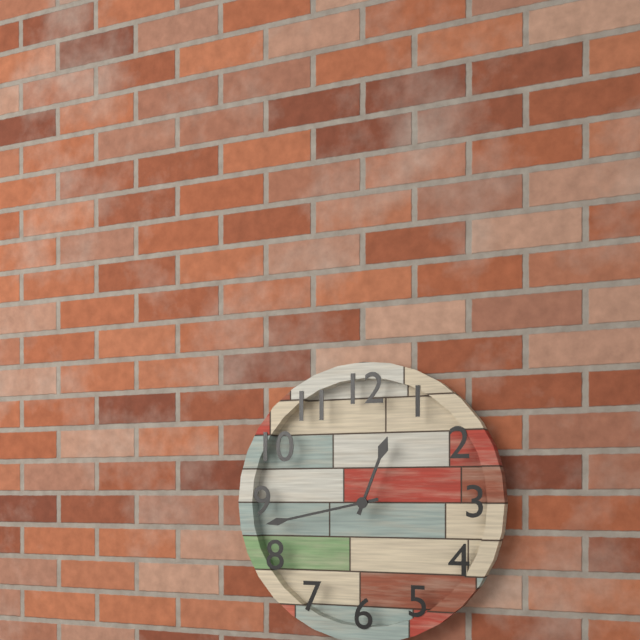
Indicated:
12.43
